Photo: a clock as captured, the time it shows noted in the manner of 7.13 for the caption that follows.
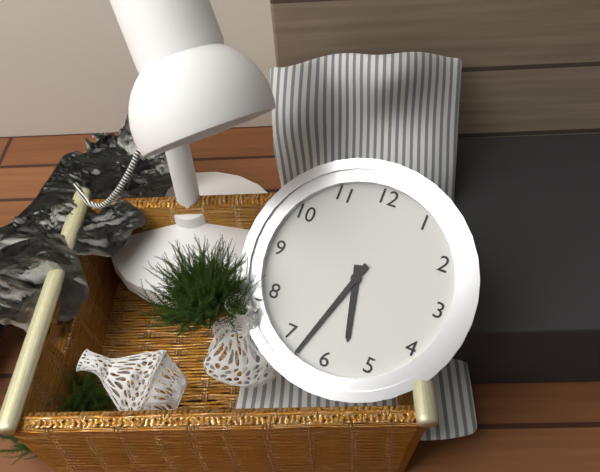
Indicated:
5.33
